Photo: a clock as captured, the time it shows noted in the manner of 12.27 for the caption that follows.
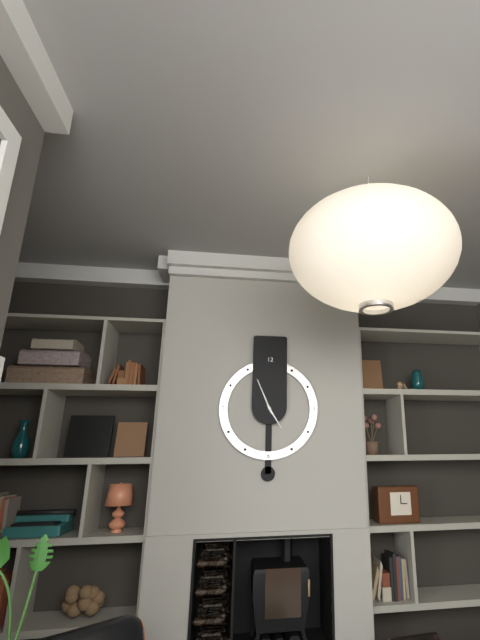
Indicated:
4.56
